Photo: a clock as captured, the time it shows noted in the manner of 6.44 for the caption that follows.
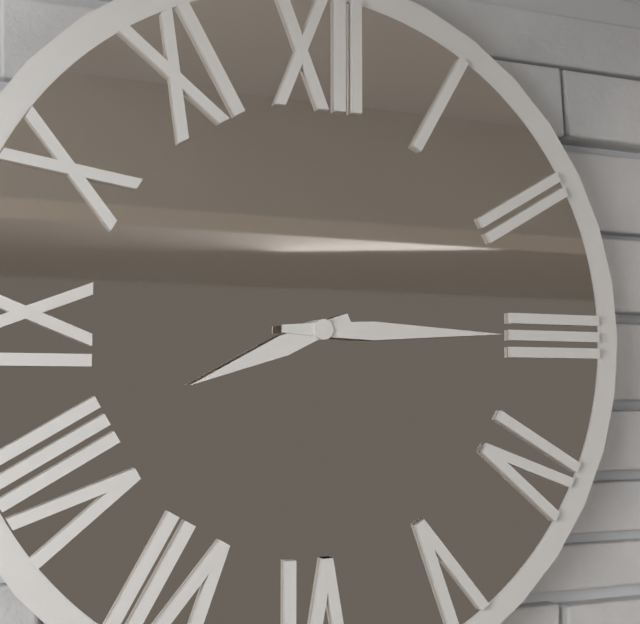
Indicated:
8.15
